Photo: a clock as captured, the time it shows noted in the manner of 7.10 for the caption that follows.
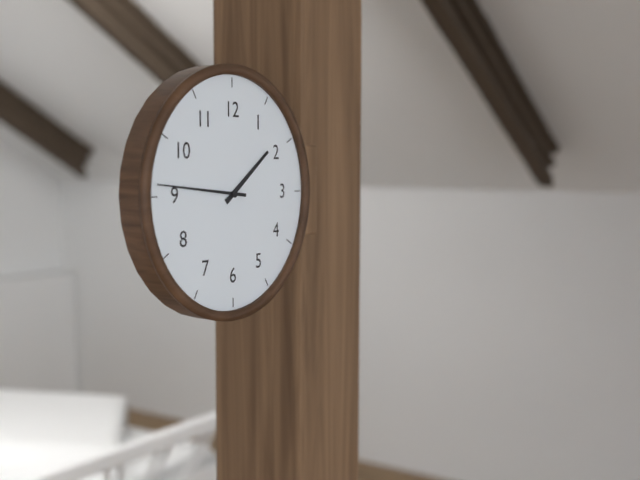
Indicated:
1.46
